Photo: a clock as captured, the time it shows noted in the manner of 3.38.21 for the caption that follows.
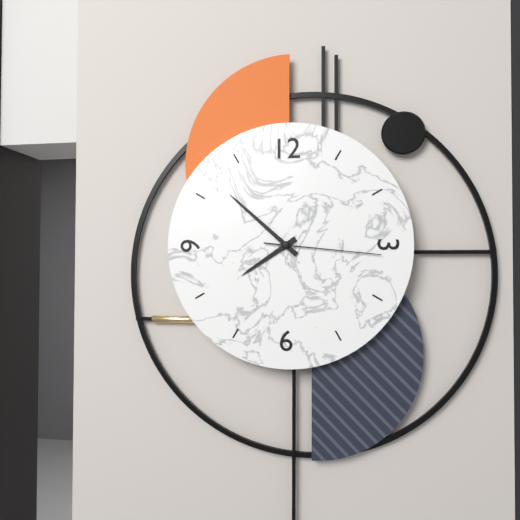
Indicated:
7.52.16
